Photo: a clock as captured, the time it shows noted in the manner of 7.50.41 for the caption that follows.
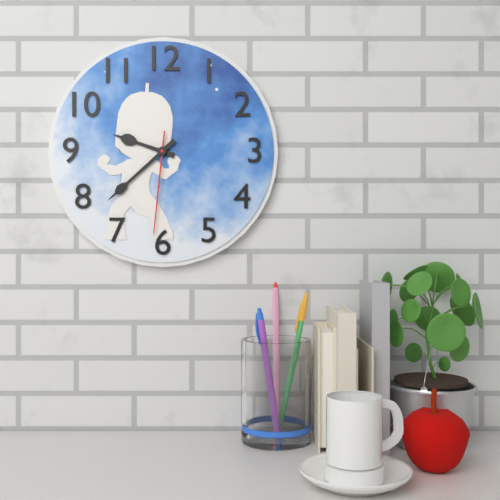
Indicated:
9.38.31
